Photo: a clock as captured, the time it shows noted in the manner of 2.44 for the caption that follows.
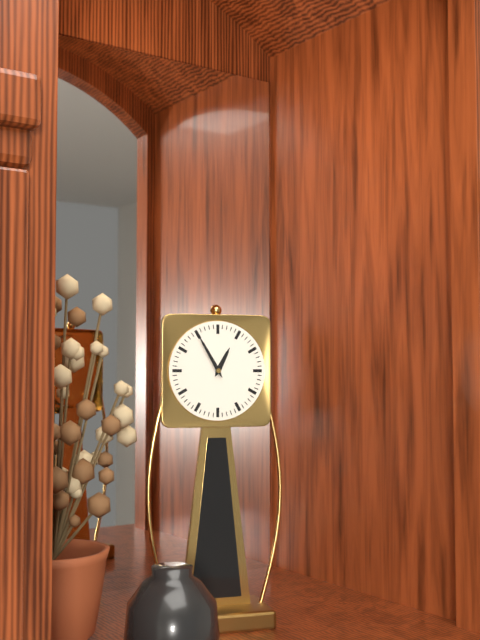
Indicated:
12.55
